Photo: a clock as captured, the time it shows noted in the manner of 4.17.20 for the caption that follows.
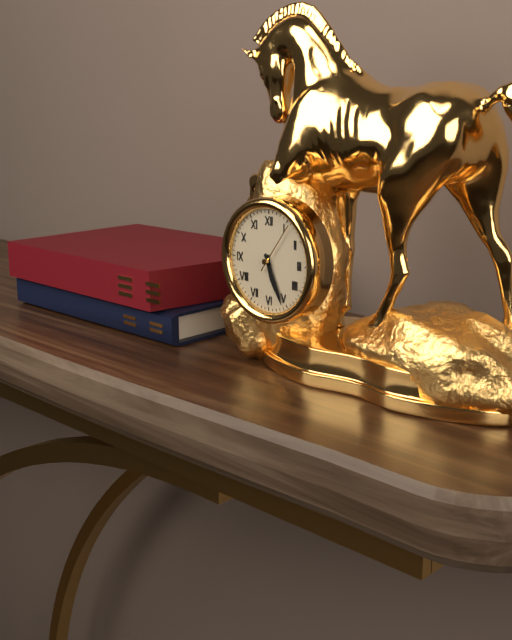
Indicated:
5.26.06
